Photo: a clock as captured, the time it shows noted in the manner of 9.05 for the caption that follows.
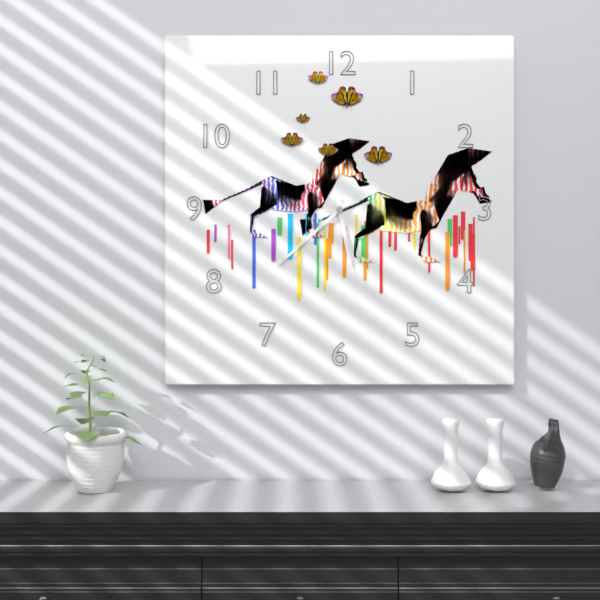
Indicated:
5.38
